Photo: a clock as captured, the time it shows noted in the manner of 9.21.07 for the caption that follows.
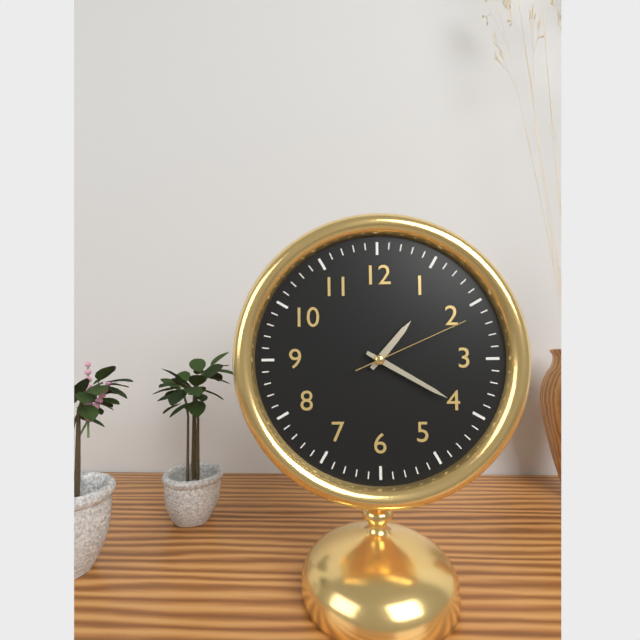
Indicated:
1.20.11
